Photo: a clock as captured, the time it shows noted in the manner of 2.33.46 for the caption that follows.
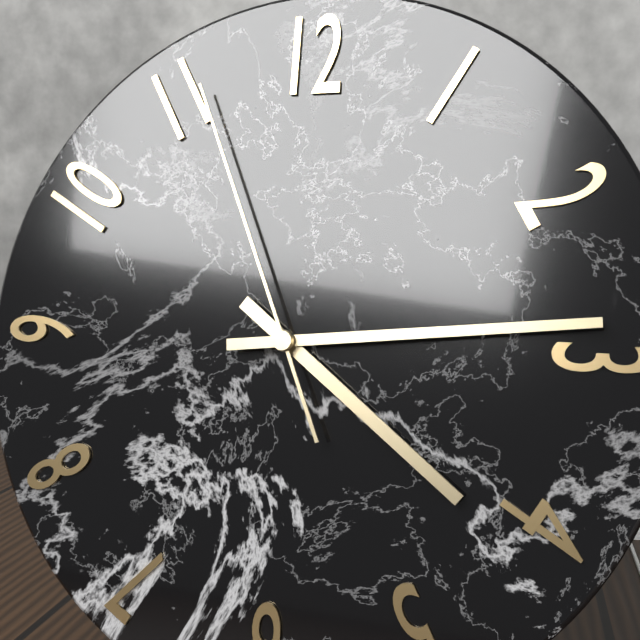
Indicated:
4.14.56
